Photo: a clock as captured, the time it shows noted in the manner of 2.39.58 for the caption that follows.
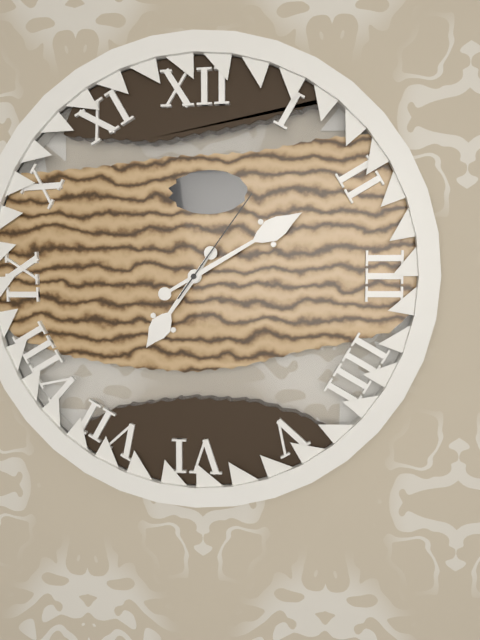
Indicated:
7.10.06
